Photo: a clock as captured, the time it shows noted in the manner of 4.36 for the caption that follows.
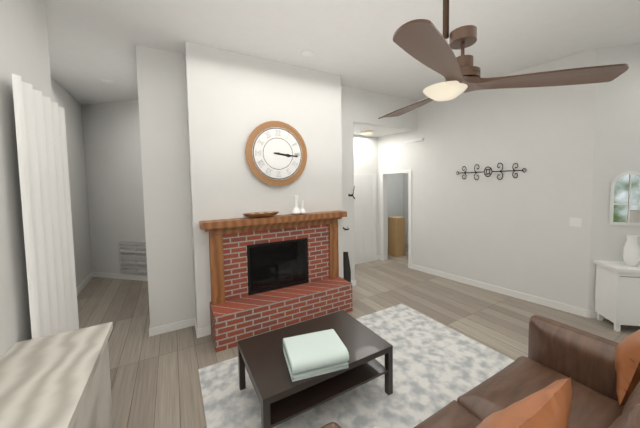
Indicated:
3.16
